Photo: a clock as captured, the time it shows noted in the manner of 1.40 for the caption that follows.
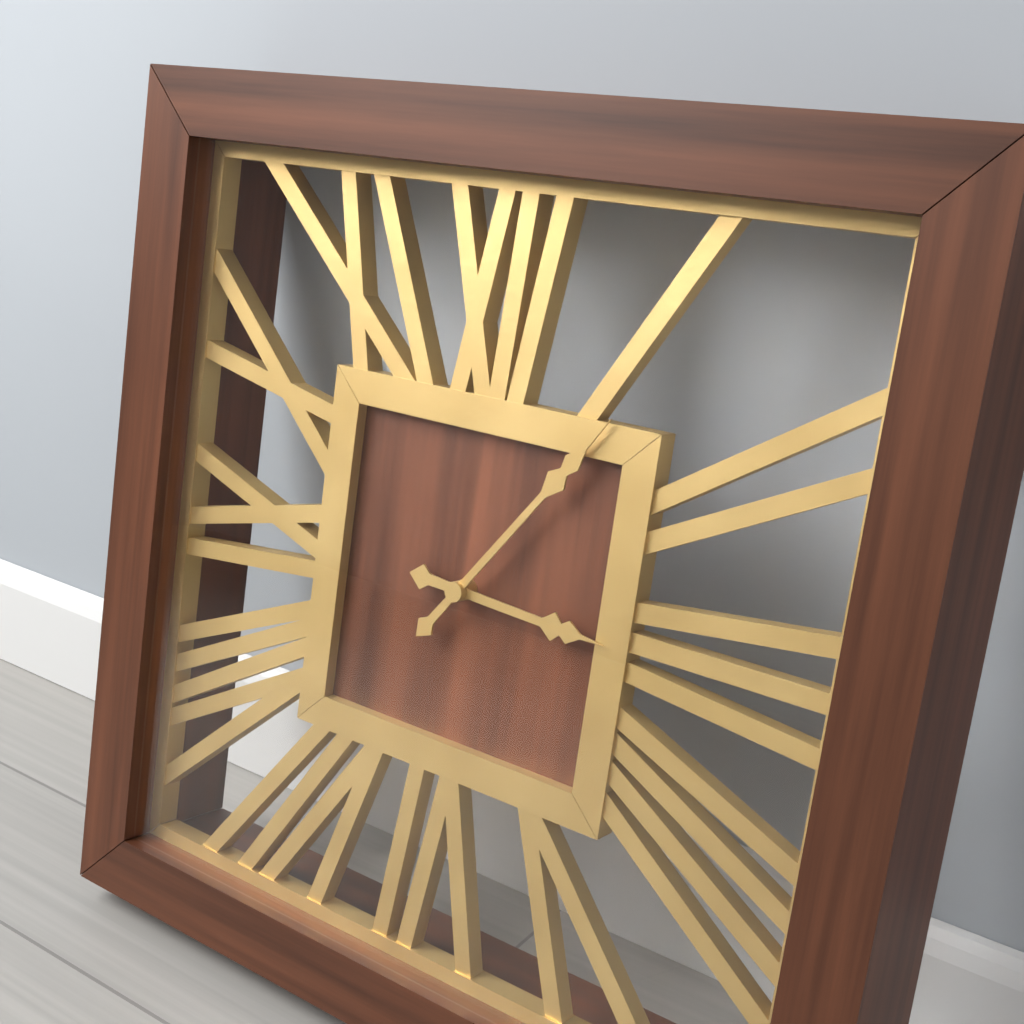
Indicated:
3.06
